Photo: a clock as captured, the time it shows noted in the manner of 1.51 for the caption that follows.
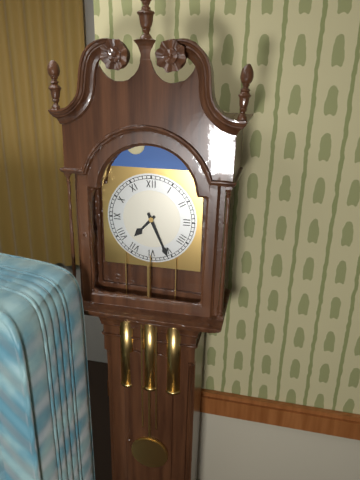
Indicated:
7.26
